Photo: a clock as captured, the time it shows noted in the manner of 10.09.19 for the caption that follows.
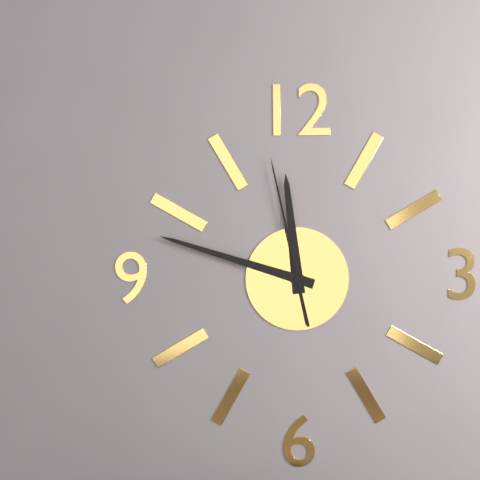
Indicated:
11.48.58
